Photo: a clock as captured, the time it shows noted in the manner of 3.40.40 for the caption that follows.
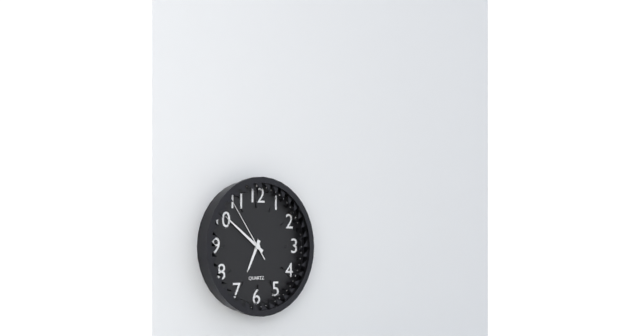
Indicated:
6.51.54
